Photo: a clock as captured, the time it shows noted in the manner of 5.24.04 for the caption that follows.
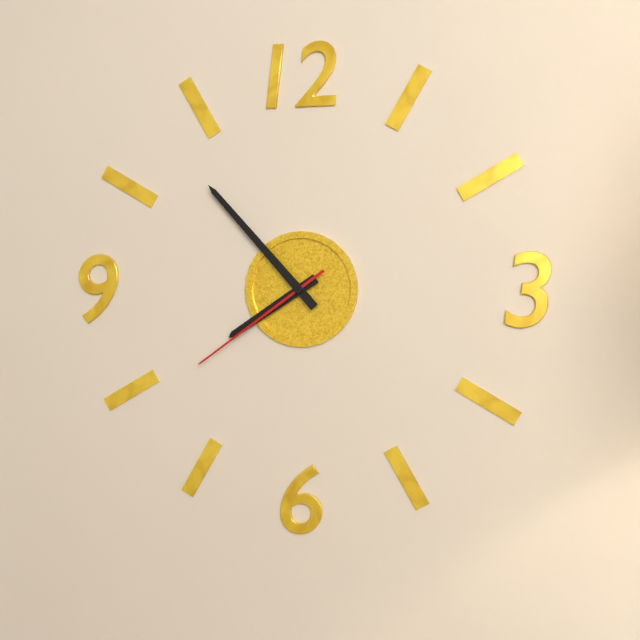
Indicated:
7.53.39
